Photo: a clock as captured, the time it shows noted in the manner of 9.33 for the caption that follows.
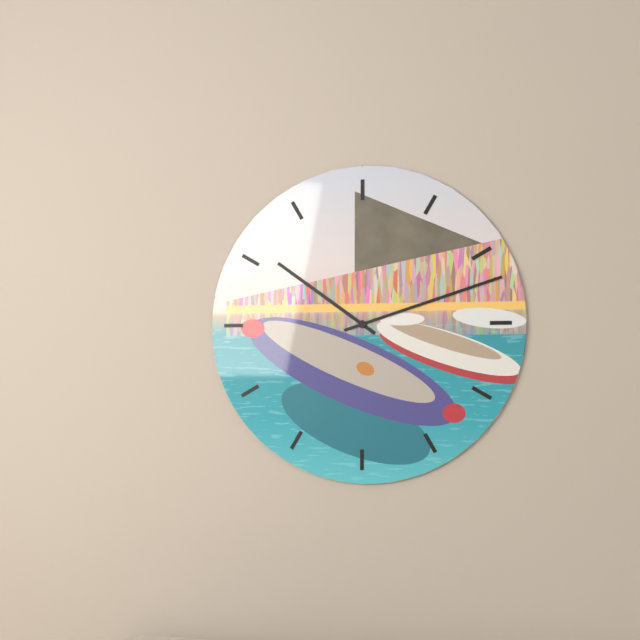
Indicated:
10.12
